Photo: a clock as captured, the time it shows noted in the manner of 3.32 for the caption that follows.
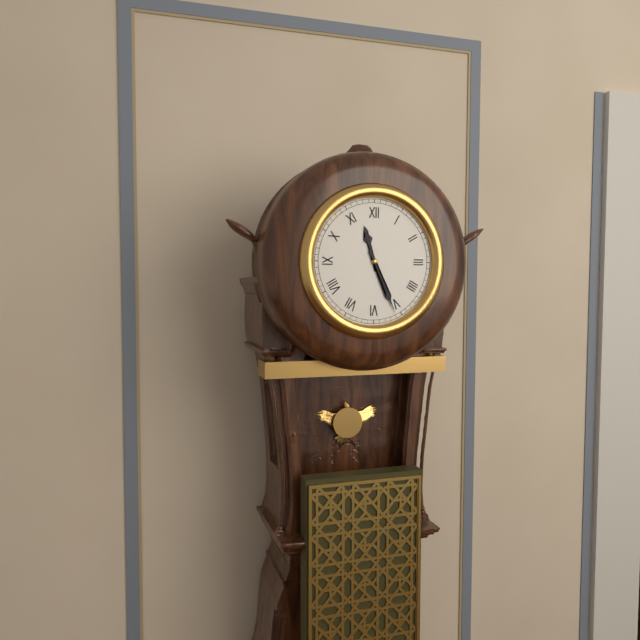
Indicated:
11.26
